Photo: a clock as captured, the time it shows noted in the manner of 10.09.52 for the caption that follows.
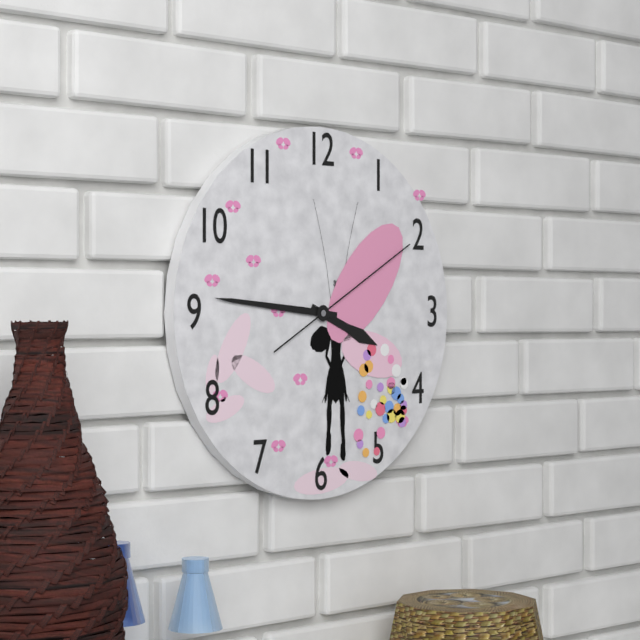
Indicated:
3.46.10
